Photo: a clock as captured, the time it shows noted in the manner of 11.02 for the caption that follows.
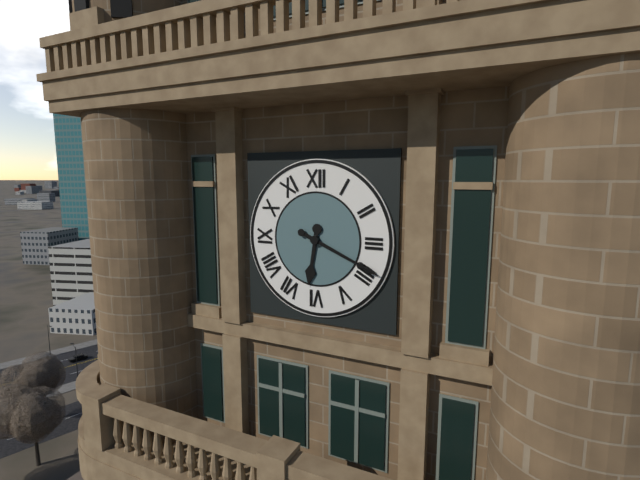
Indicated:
6.19
